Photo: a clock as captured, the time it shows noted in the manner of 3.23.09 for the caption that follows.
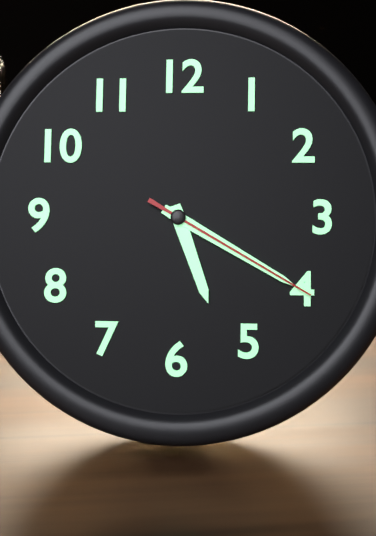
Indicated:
5.20.20
